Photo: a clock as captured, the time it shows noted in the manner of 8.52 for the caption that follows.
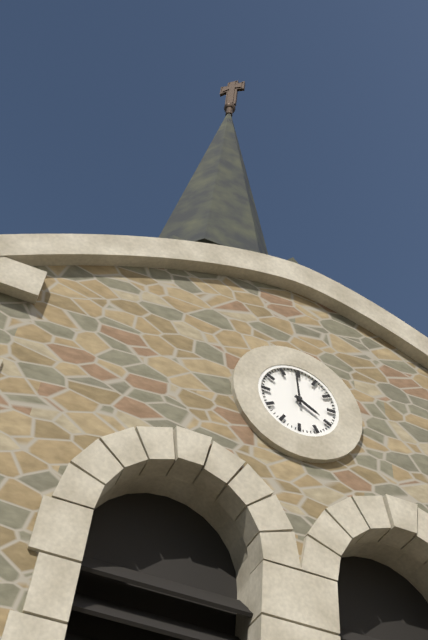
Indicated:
3.59
